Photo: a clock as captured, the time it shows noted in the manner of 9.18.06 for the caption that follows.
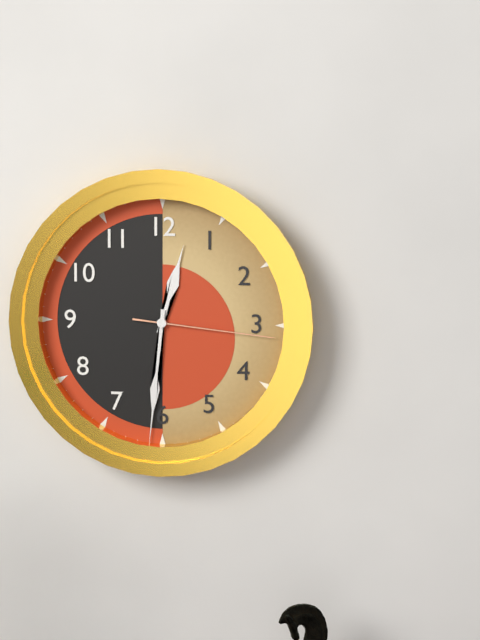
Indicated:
12.31.16
